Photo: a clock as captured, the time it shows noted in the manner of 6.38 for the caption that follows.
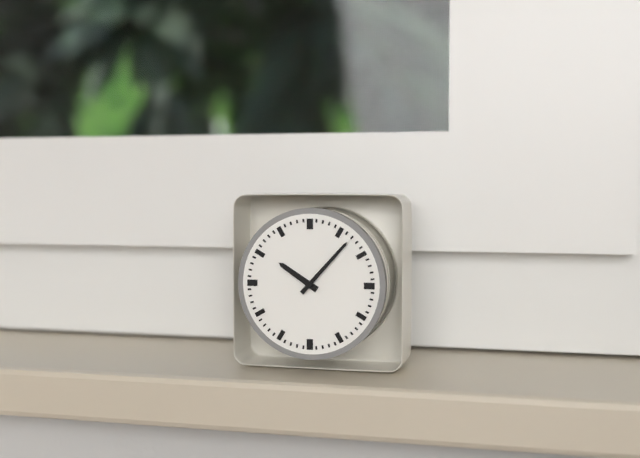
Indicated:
10.07
